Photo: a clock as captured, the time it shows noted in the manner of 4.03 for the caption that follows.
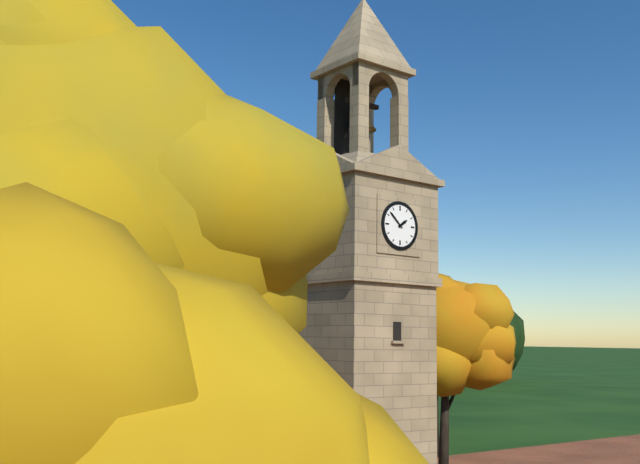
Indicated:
1.52
